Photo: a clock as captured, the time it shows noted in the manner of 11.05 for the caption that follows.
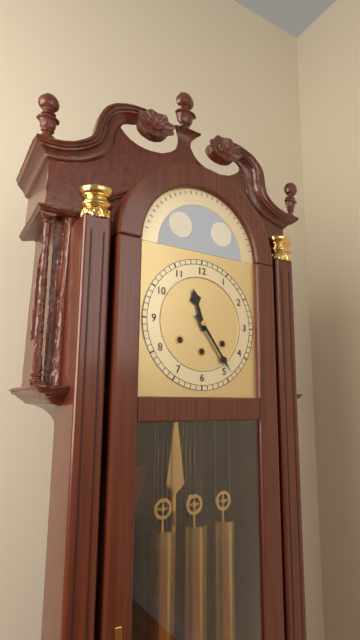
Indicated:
11.24
